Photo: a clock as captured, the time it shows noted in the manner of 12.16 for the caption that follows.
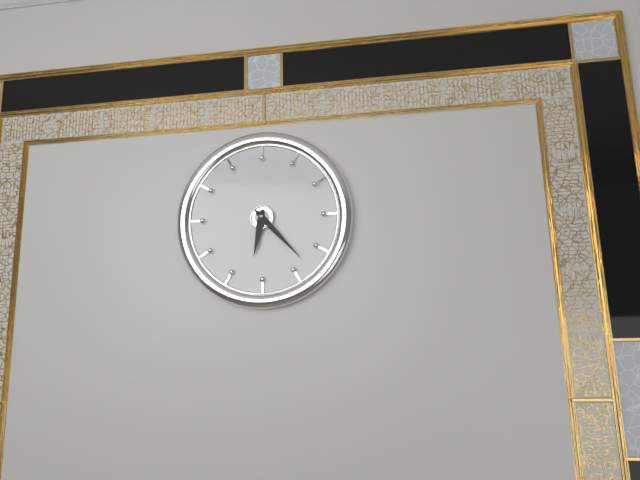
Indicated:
6.23
